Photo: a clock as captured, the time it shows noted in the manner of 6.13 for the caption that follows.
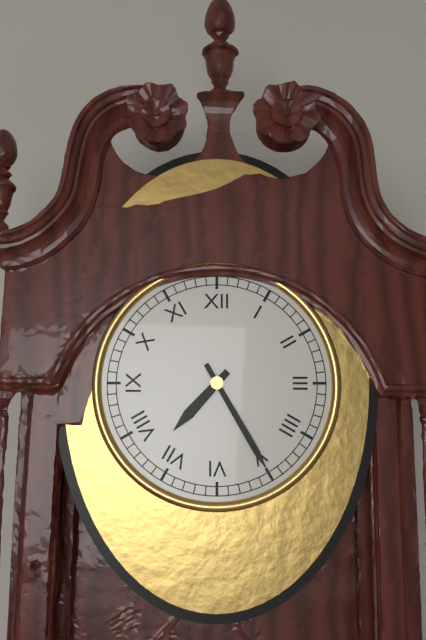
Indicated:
7.25
